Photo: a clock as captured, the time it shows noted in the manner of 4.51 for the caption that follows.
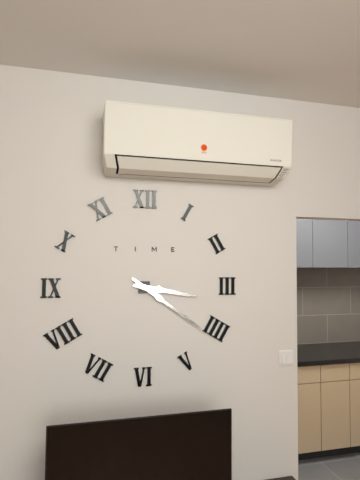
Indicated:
3.21
